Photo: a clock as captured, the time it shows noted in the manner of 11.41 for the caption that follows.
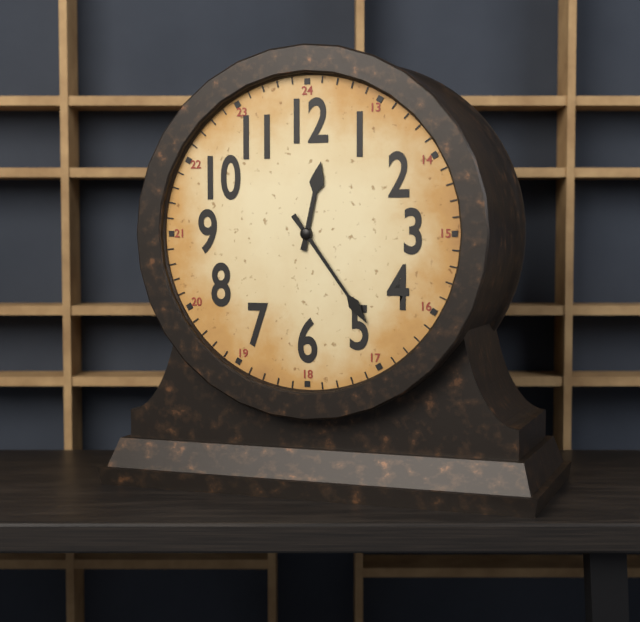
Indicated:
12.24
